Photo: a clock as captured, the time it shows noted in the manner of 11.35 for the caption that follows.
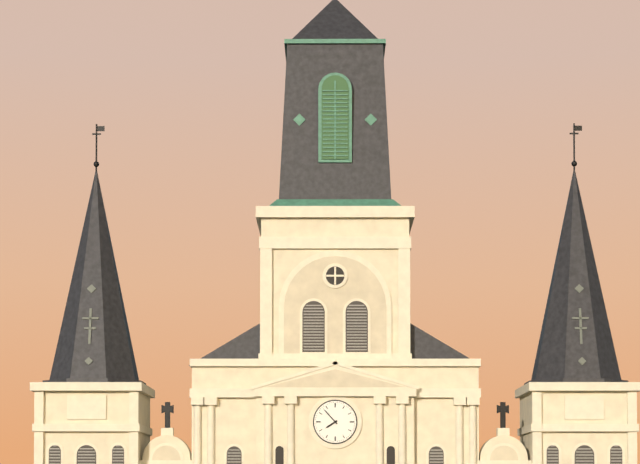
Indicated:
7.53
